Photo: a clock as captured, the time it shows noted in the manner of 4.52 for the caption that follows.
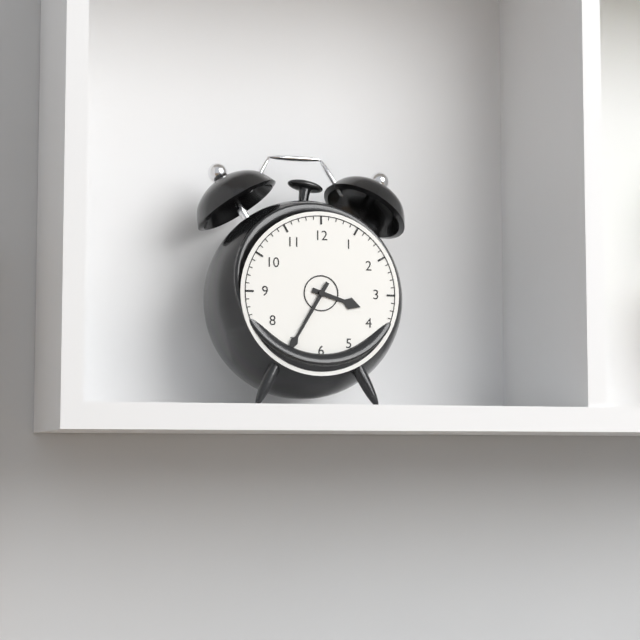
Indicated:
3.35
